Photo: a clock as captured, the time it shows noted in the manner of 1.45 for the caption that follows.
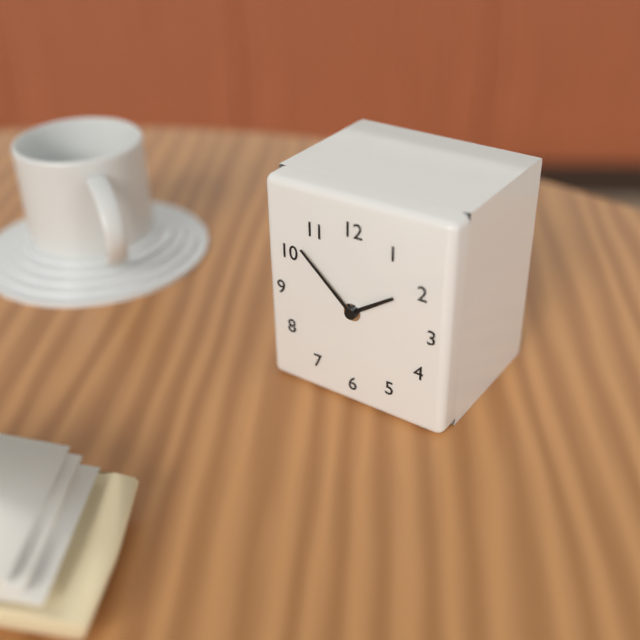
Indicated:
1.52
